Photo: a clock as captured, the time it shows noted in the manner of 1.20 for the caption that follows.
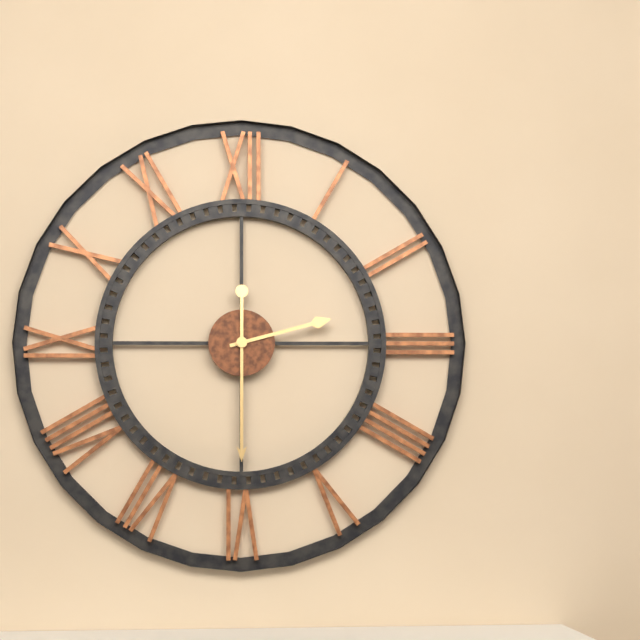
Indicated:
2.30
